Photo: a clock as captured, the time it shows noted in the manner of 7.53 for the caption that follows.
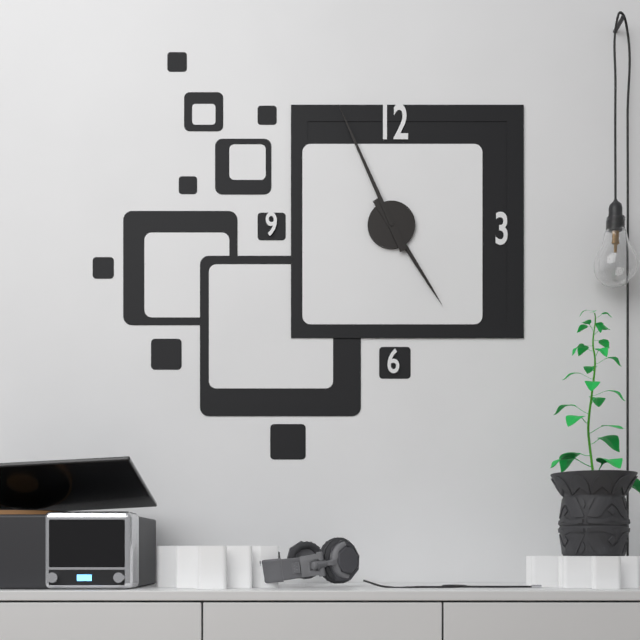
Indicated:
4.56
